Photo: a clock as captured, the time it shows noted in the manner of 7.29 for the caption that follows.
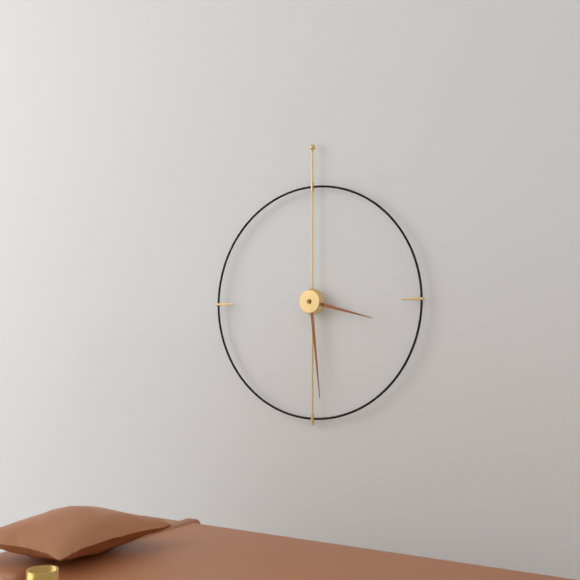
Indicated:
3.29
